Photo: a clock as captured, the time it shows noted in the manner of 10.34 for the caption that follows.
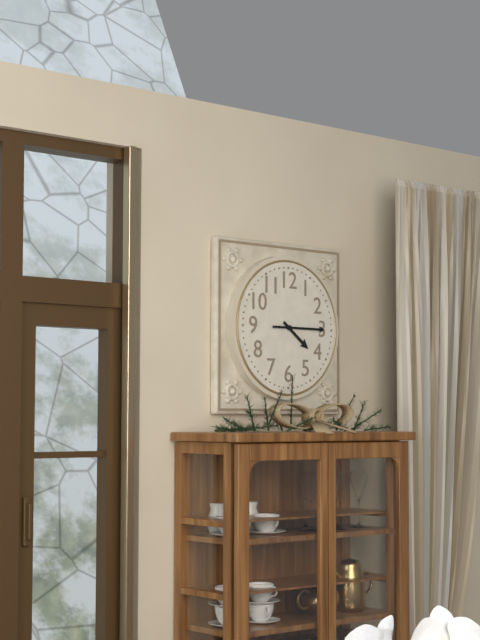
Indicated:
4.15
